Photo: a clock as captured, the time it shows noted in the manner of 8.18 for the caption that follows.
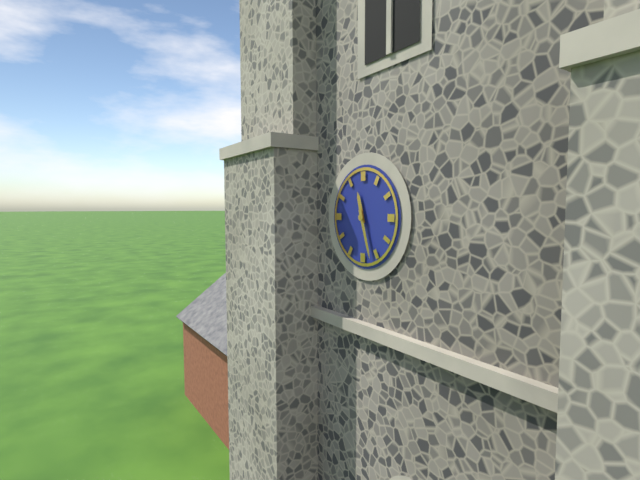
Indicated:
11.27
